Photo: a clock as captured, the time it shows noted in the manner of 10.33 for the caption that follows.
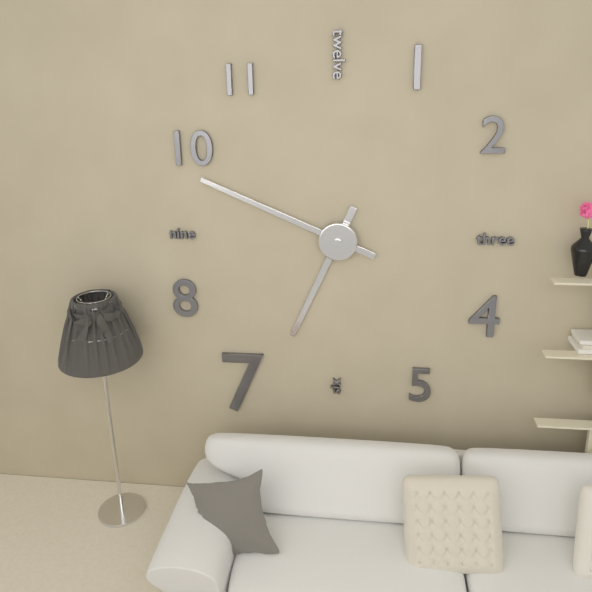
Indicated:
6.49
